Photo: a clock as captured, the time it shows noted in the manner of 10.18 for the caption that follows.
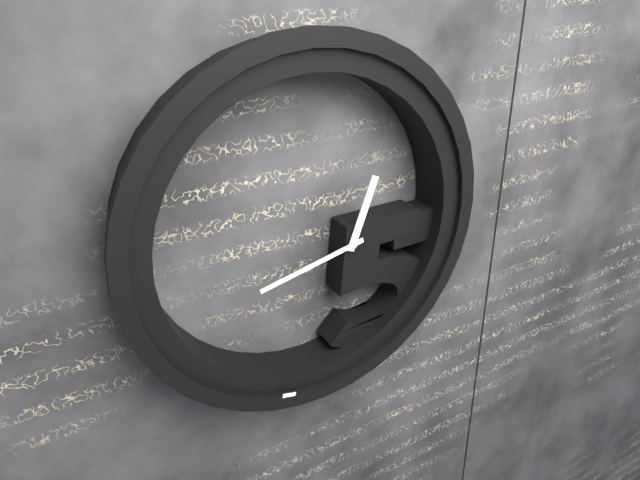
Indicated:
12.43
